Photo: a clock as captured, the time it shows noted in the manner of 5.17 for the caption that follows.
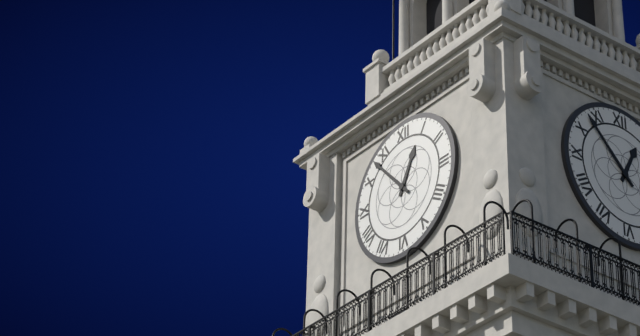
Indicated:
12.53
